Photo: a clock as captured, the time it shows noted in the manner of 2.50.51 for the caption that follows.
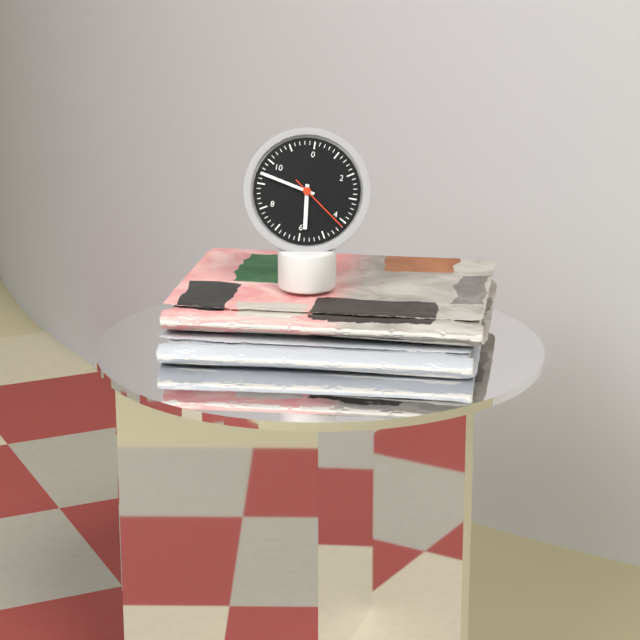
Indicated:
5.47.21
